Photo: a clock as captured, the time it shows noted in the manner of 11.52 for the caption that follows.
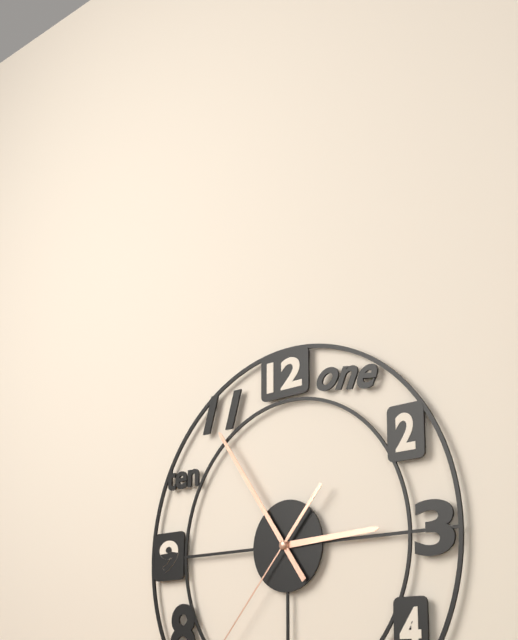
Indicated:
2.54
